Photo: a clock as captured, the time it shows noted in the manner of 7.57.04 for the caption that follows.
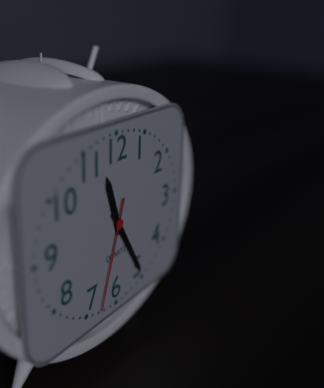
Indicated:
11.25.33
